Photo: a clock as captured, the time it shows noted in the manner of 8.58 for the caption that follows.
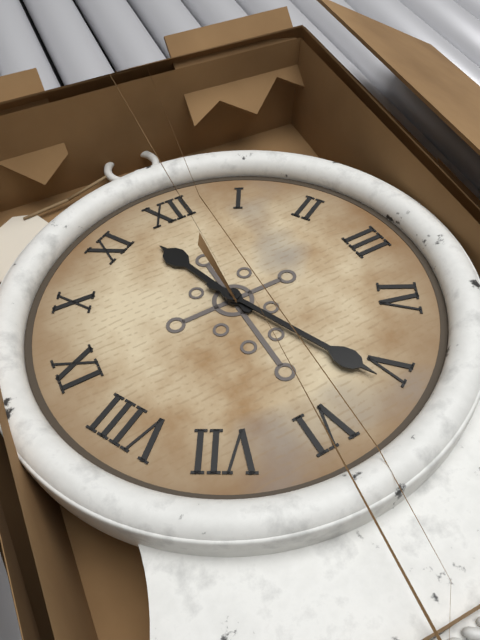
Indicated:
11.26
